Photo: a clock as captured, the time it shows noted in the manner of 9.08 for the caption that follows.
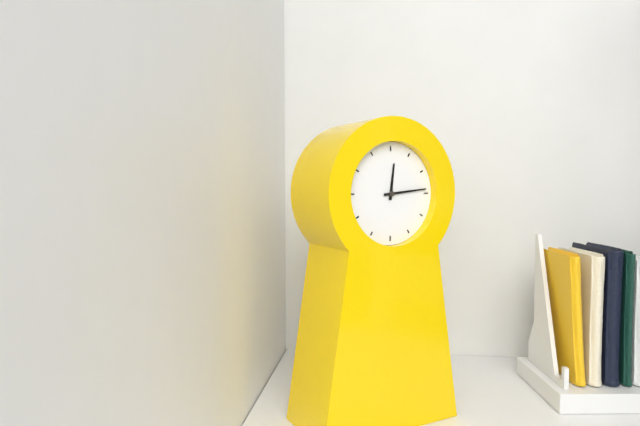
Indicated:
12.14
